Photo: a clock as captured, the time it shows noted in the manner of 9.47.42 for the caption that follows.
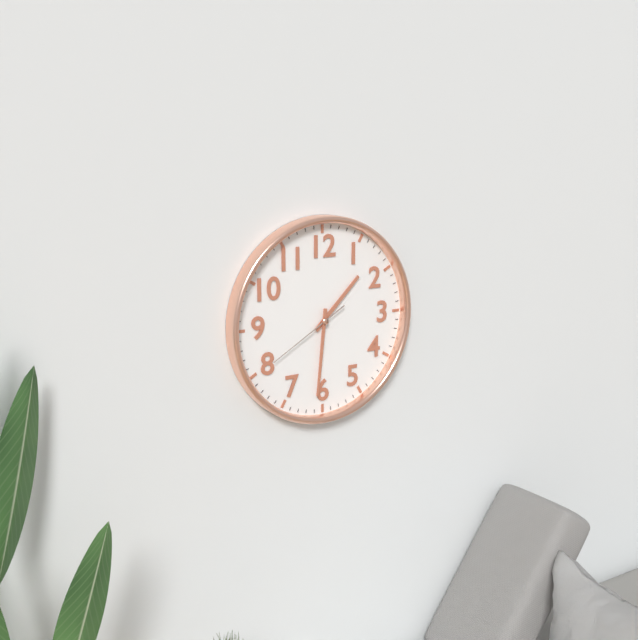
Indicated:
1.31.40
